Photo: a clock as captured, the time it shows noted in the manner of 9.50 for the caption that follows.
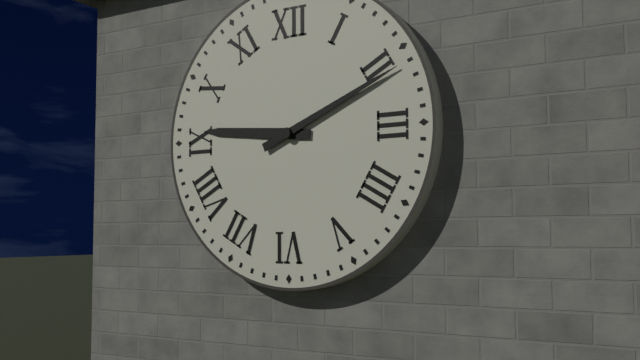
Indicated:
9.11
